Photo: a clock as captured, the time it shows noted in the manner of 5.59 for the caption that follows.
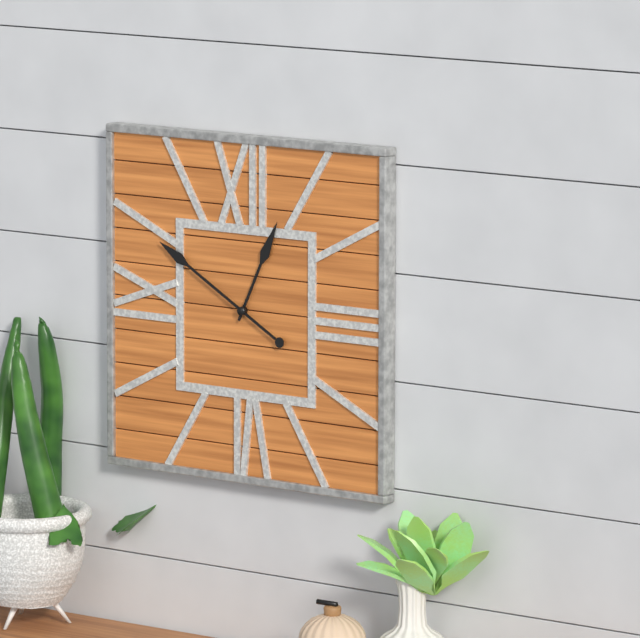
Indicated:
12.50
